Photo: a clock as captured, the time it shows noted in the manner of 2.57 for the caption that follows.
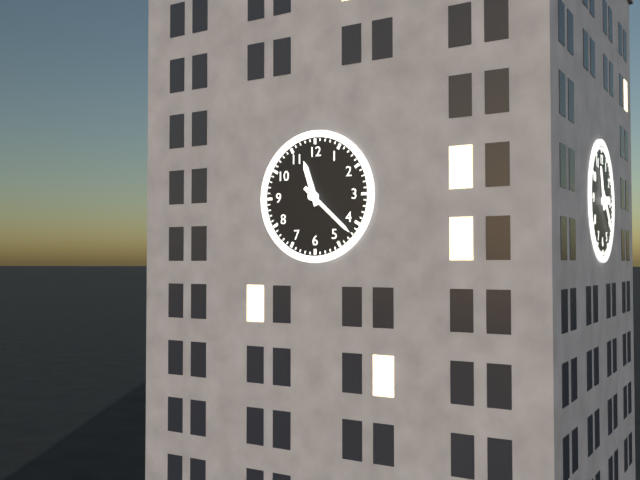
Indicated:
11.22
